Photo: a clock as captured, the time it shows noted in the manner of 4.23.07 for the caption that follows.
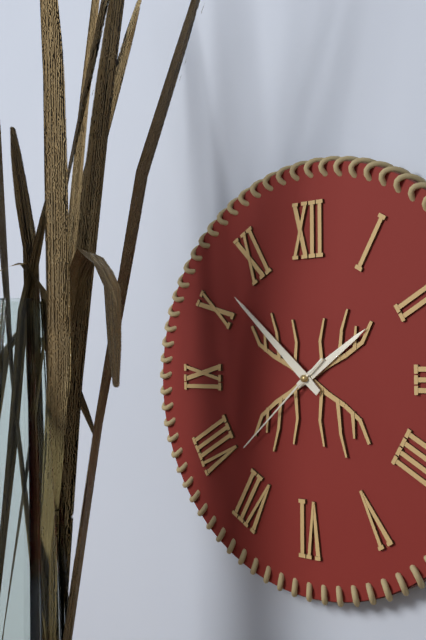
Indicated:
1.52.38
